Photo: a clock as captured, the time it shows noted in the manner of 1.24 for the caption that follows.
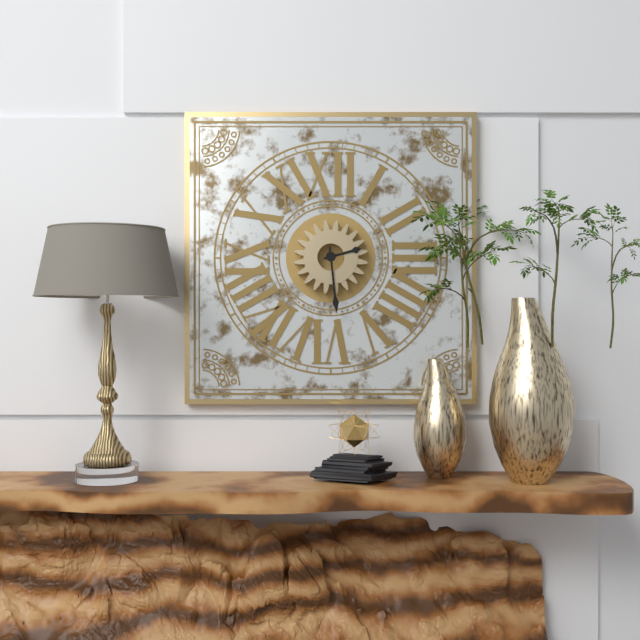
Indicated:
2.29
